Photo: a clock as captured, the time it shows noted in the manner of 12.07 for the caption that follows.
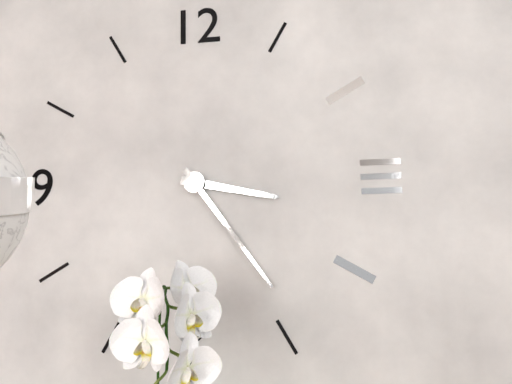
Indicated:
3.24
